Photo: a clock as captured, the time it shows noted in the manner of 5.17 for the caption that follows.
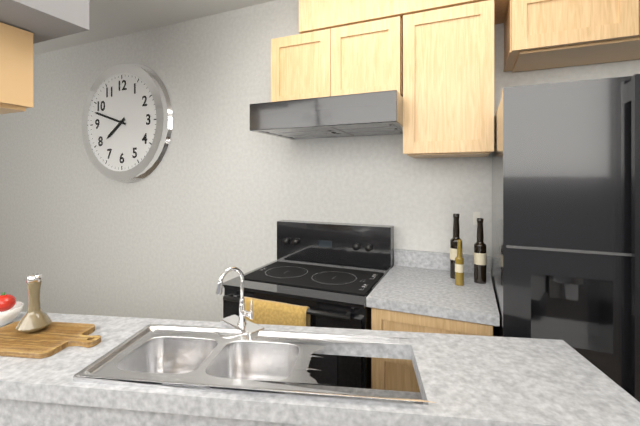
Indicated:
7.48
